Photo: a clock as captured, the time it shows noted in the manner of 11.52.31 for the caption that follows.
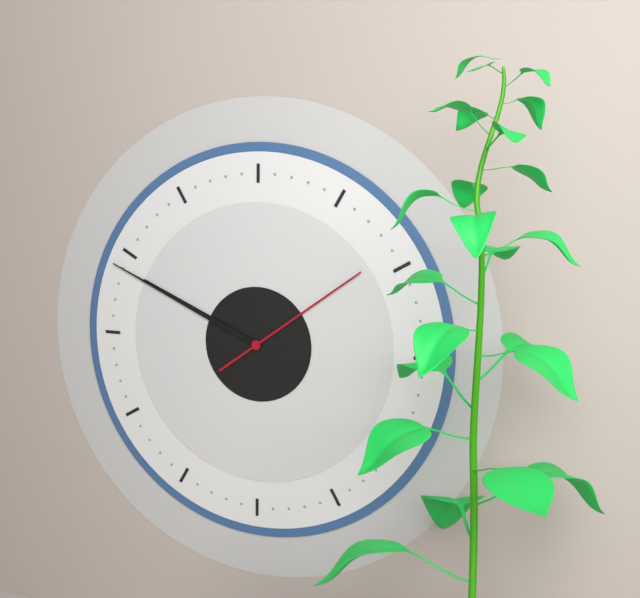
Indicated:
9.49.09
